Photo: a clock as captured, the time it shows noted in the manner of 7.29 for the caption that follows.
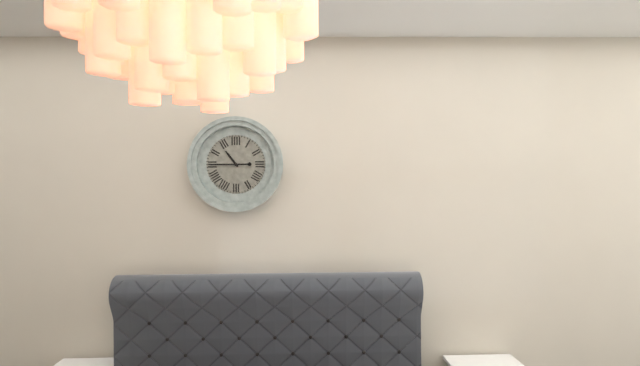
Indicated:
10.45
